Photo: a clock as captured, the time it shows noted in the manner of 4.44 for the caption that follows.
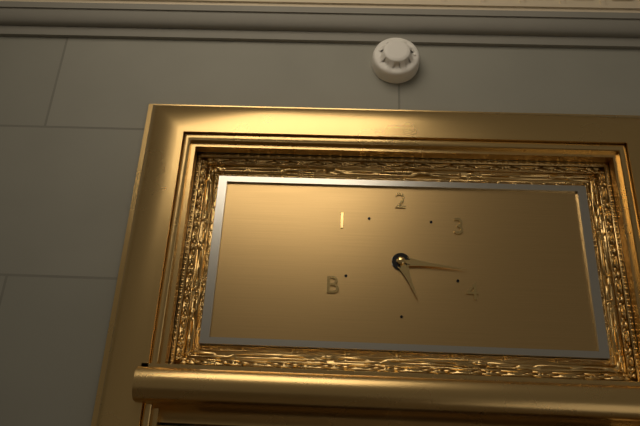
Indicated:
5.16
